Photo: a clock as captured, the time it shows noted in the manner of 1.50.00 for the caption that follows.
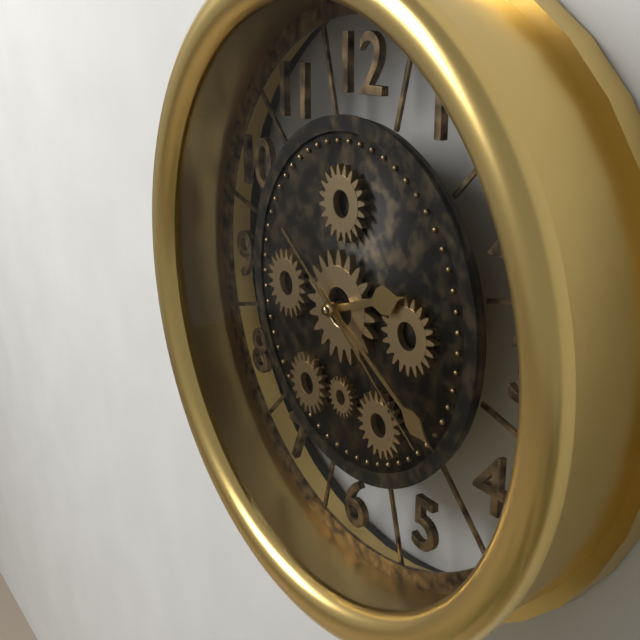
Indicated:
2.20.21
